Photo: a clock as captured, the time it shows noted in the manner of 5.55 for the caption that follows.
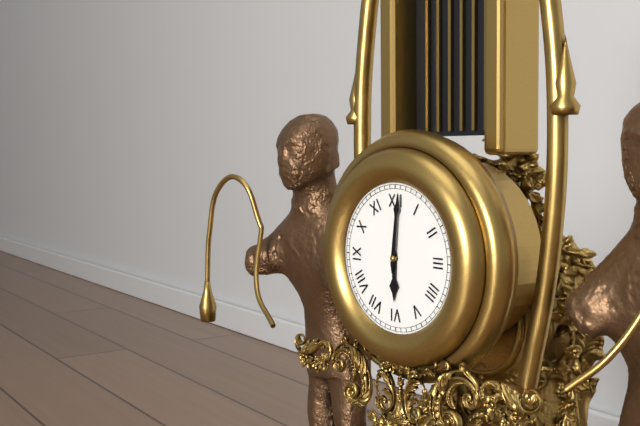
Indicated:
6.01
